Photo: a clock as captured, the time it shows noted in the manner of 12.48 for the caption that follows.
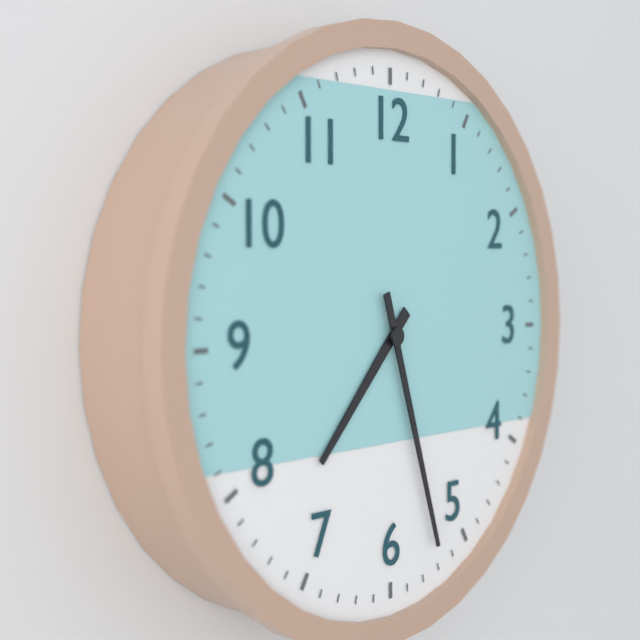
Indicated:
7.27
